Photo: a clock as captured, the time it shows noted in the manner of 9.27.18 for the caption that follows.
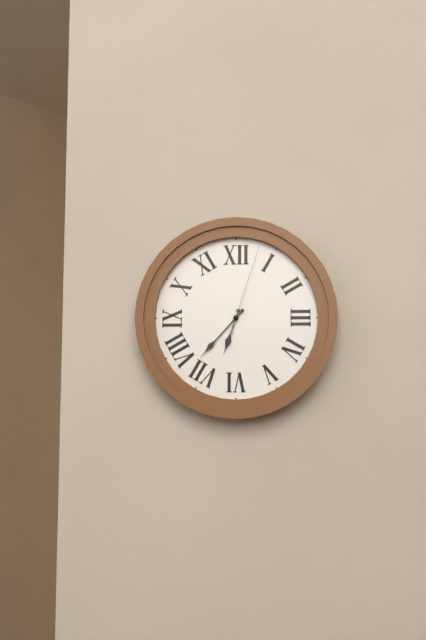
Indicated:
6.37.03
